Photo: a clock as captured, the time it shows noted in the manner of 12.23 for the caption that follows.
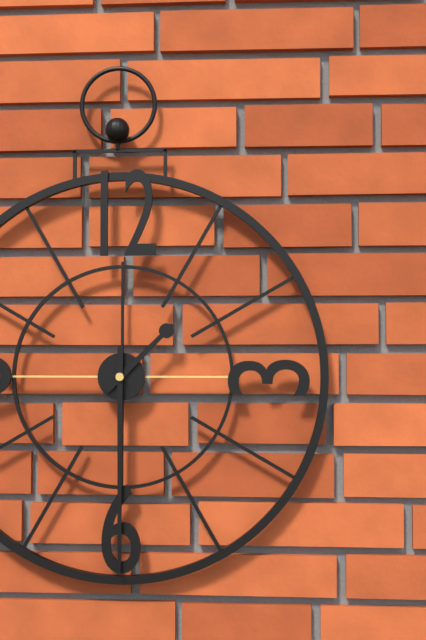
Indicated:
1.30
